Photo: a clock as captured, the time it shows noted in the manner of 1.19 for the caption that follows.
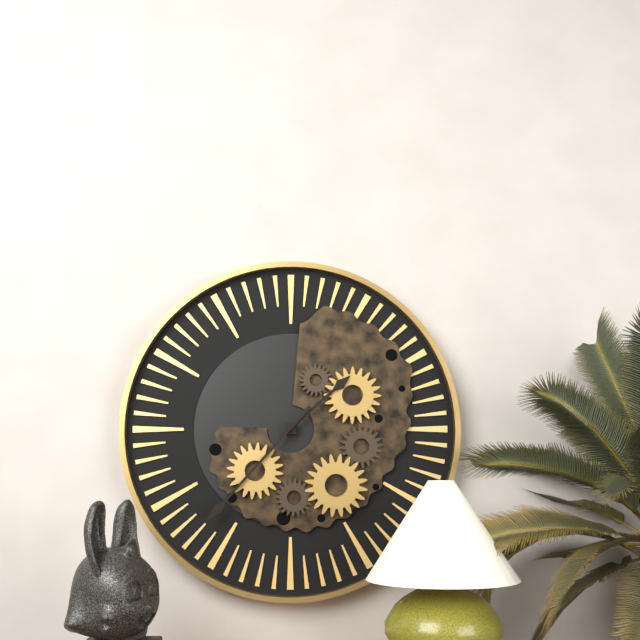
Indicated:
1.37
